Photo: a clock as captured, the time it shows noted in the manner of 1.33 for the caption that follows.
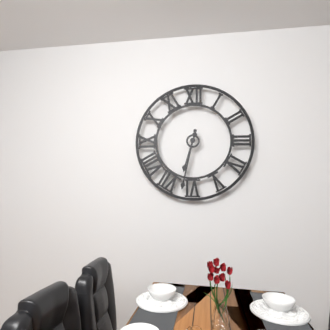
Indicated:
6.32
